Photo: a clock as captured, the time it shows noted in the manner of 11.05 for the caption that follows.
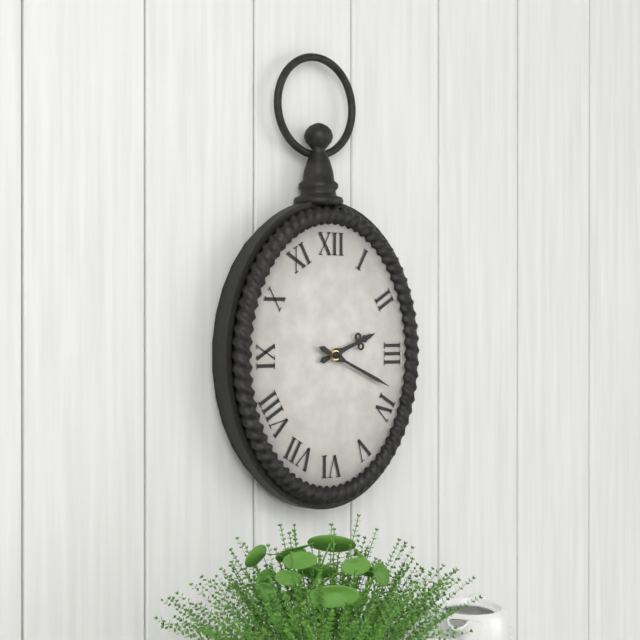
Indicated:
2.19
